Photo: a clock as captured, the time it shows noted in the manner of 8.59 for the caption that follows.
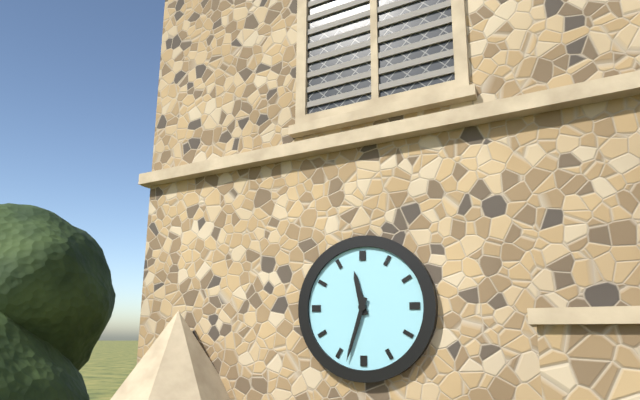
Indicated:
11.33
